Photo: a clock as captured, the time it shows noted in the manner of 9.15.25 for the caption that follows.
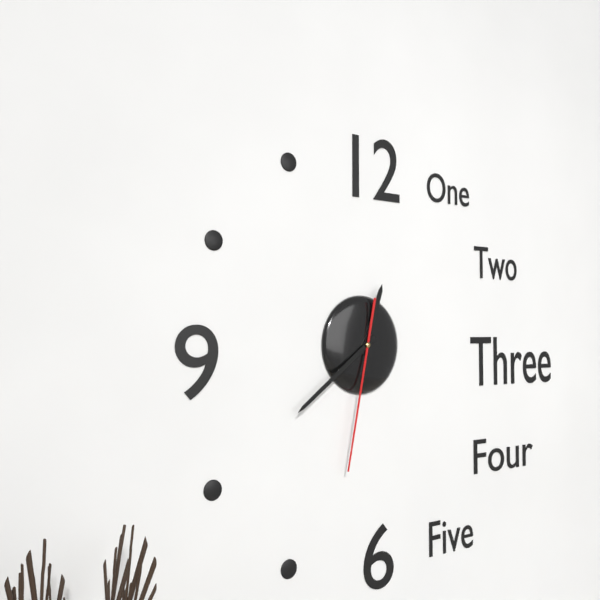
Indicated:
12.39.32
